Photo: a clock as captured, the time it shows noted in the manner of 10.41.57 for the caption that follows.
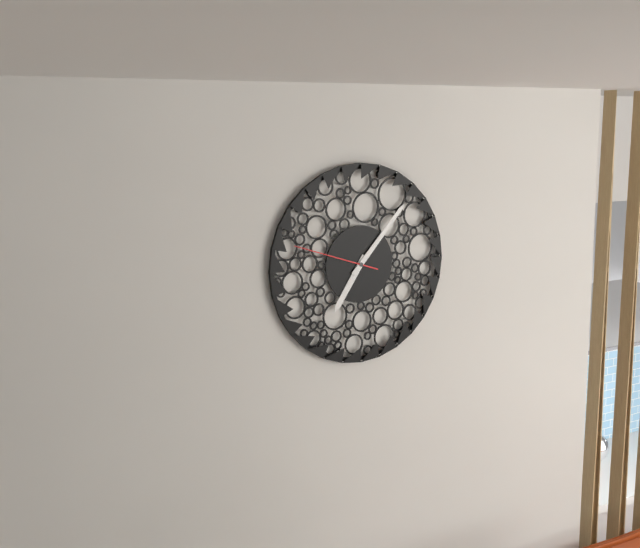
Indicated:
7.07.48
